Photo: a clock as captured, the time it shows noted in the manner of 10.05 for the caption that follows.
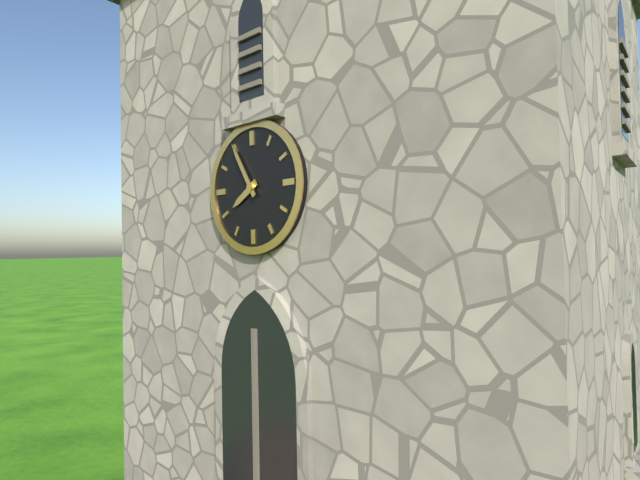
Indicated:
7.55
